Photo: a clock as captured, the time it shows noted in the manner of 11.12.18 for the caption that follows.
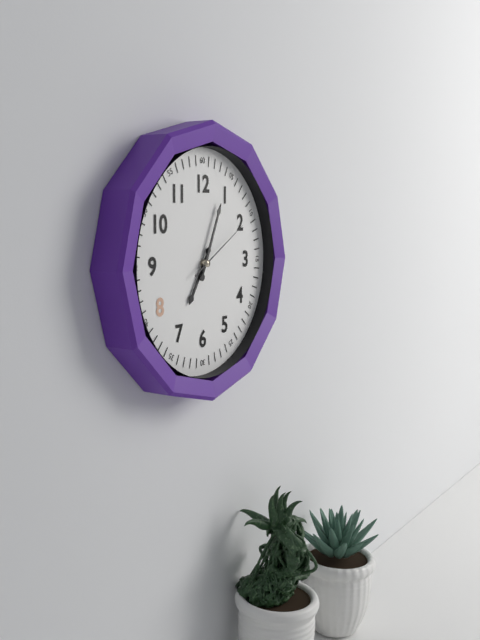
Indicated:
7.04.10
